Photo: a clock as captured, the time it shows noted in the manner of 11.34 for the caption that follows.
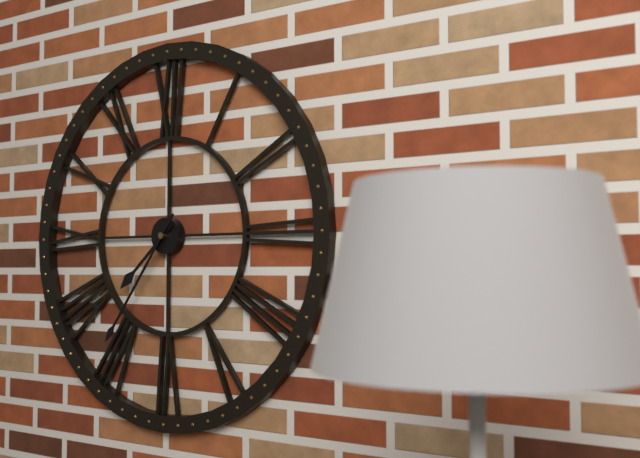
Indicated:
7.36
